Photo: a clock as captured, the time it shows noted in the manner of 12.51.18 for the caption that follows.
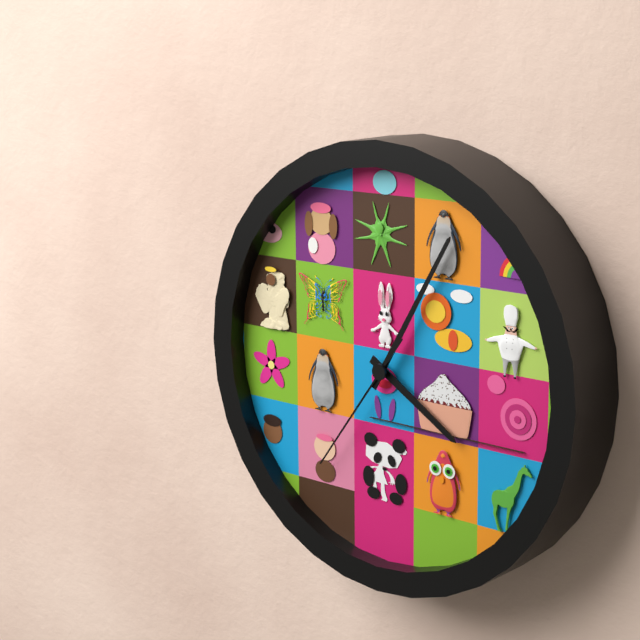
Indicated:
4.05.36
